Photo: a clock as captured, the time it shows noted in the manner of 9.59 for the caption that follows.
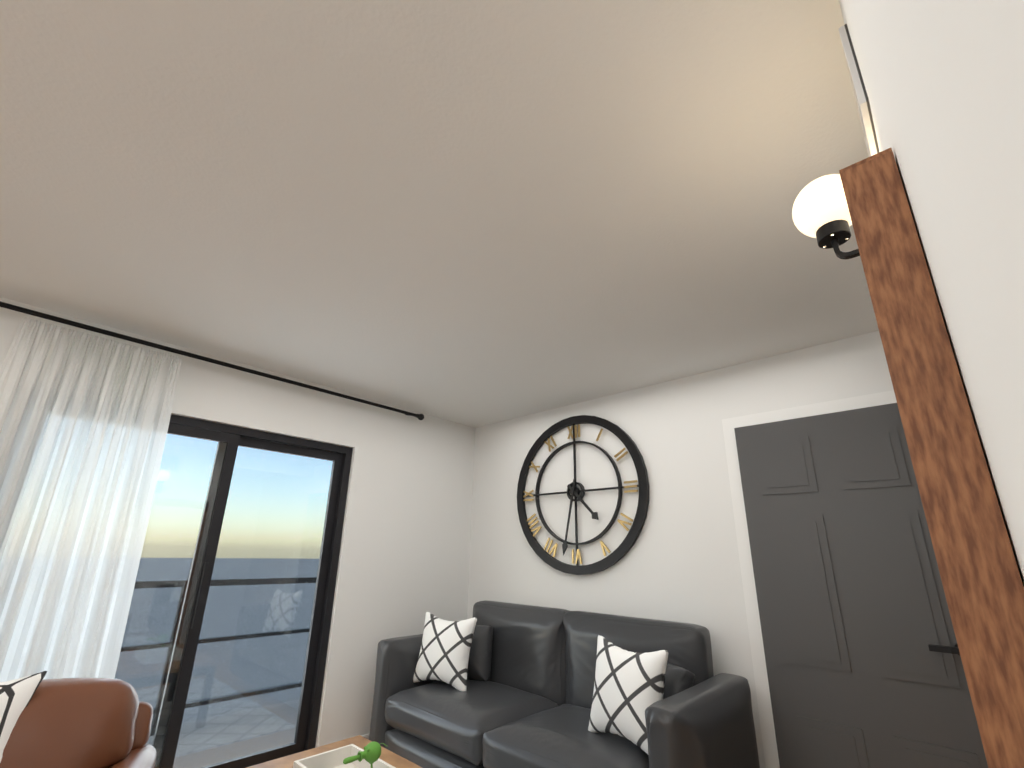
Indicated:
4.32
